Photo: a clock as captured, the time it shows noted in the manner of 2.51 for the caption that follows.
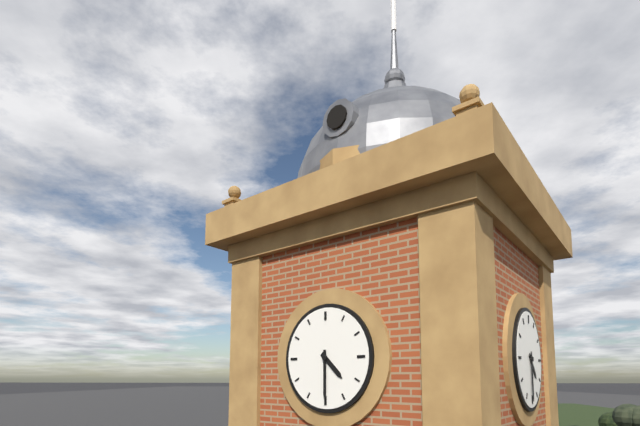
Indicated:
4.30
